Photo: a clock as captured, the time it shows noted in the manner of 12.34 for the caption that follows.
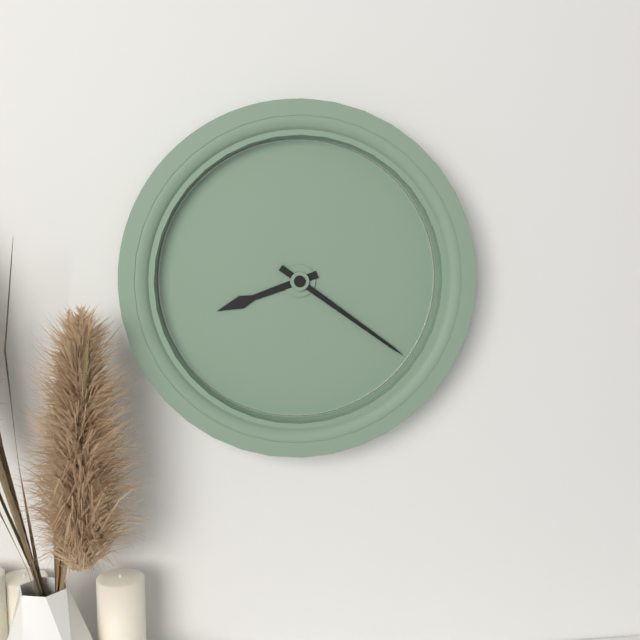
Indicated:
8.21
